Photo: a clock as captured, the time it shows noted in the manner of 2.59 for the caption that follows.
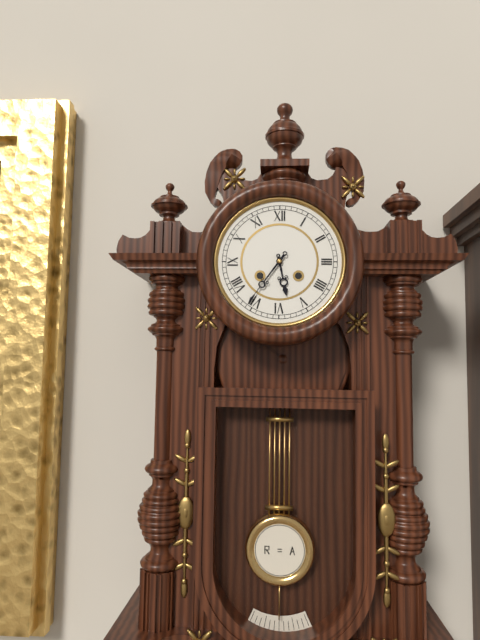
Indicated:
5.36
